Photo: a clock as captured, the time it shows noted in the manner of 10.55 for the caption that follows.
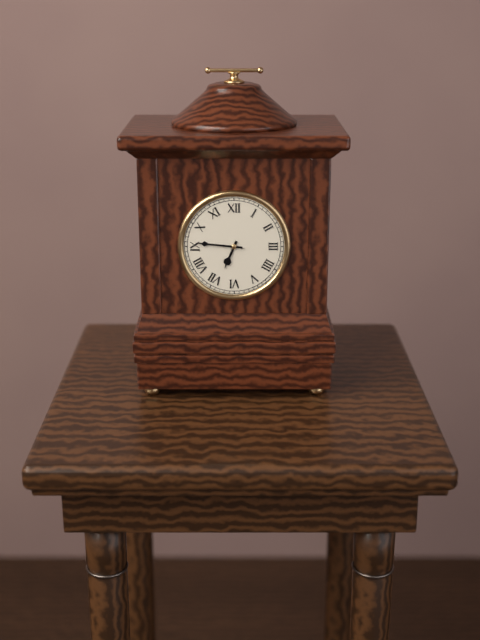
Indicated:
6.46
